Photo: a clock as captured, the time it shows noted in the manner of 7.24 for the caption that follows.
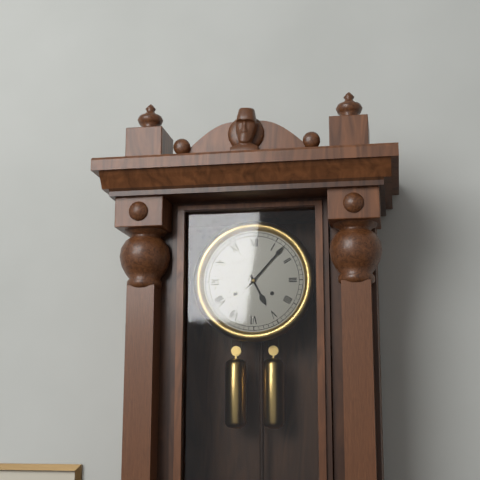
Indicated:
5.07
